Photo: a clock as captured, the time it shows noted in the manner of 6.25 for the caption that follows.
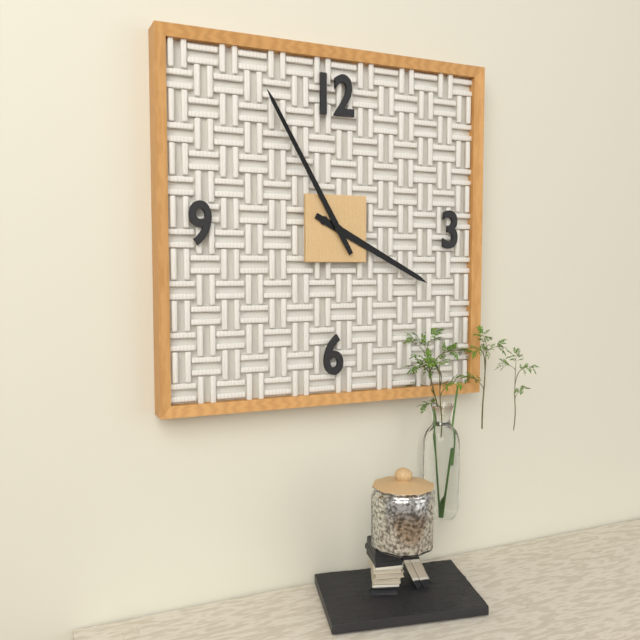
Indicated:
3.55
